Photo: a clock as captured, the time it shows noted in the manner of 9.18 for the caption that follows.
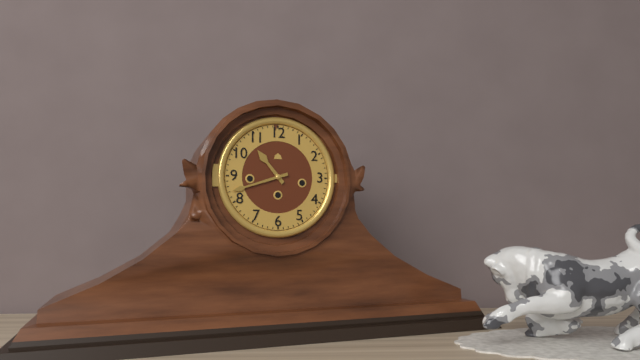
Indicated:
10.42
